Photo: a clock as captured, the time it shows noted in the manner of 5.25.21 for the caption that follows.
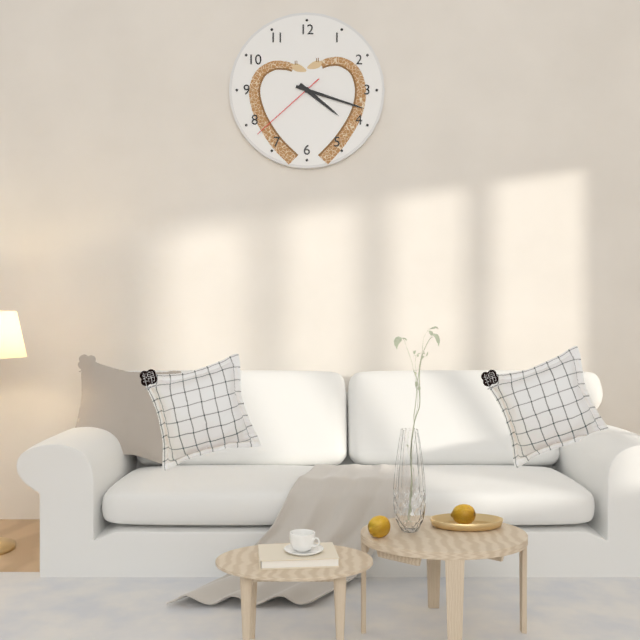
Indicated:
4.18.38
